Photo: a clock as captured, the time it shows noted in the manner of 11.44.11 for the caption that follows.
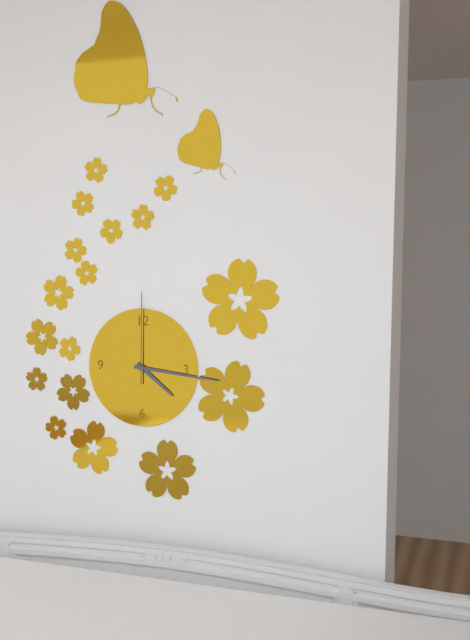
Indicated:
4.16.00
